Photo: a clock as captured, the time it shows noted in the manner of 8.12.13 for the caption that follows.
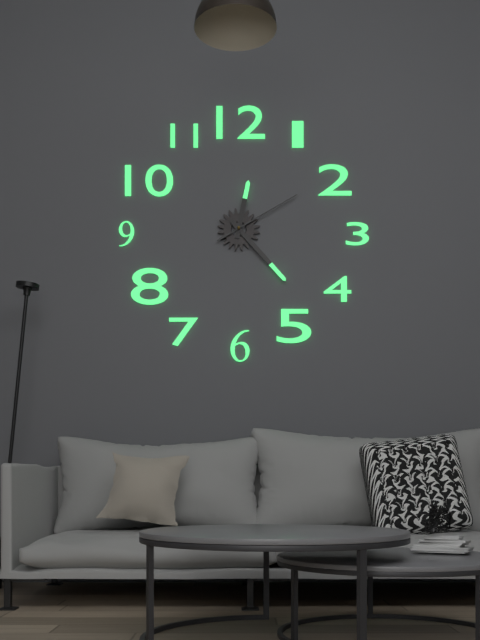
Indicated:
12.23.10
